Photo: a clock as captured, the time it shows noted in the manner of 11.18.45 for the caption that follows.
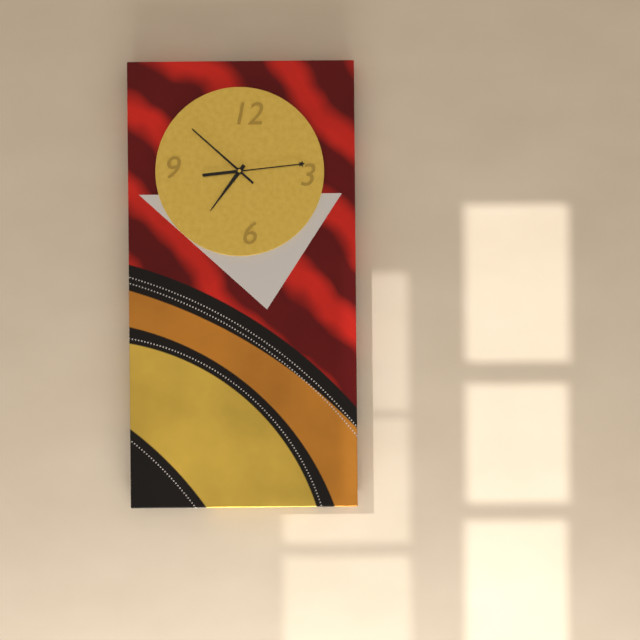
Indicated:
7.14.52
